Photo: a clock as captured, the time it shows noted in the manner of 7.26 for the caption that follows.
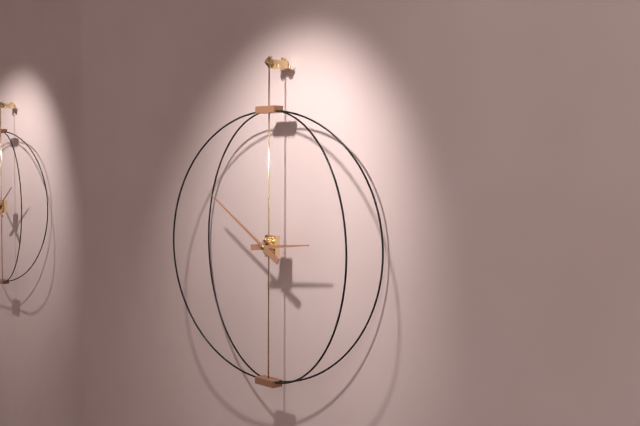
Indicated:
2.50
